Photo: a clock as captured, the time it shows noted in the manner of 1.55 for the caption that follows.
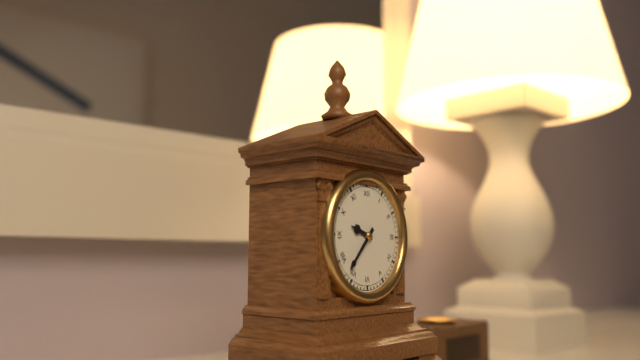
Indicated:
9.37
